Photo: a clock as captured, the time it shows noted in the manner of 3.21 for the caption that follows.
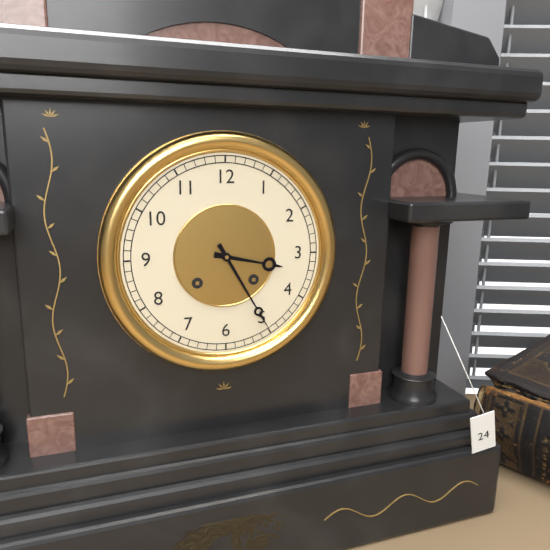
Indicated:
3.25
